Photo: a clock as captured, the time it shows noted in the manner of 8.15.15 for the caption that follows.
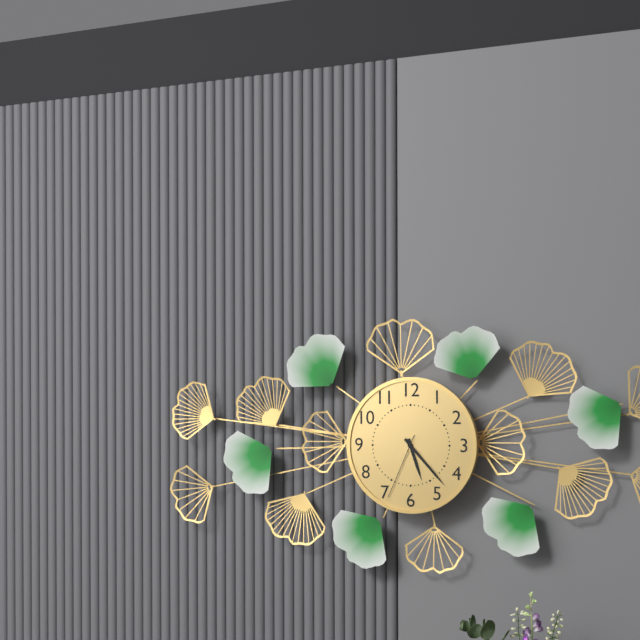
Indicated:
5.23.34
